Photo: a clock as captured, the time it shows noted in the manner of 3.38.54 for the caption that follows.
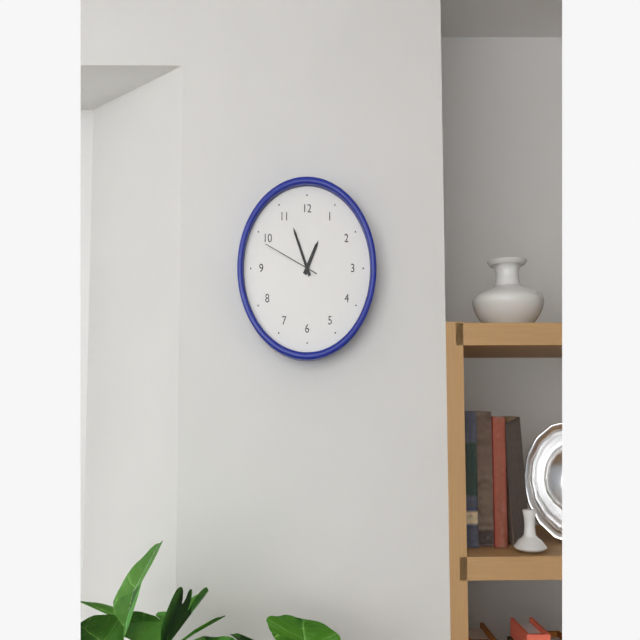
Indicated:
12.56.49
